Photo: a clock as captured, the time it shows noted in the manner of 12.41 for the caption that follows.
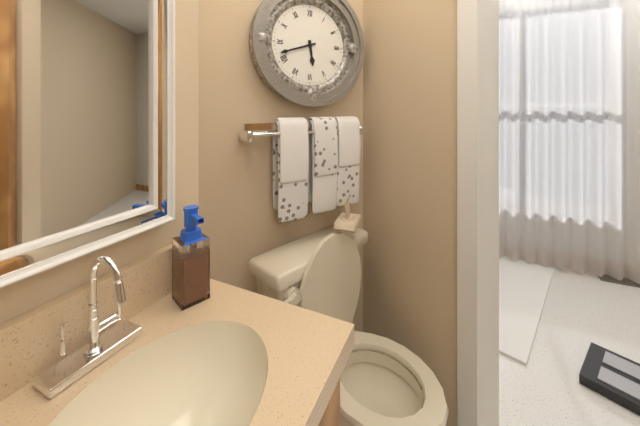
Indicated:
5.42
